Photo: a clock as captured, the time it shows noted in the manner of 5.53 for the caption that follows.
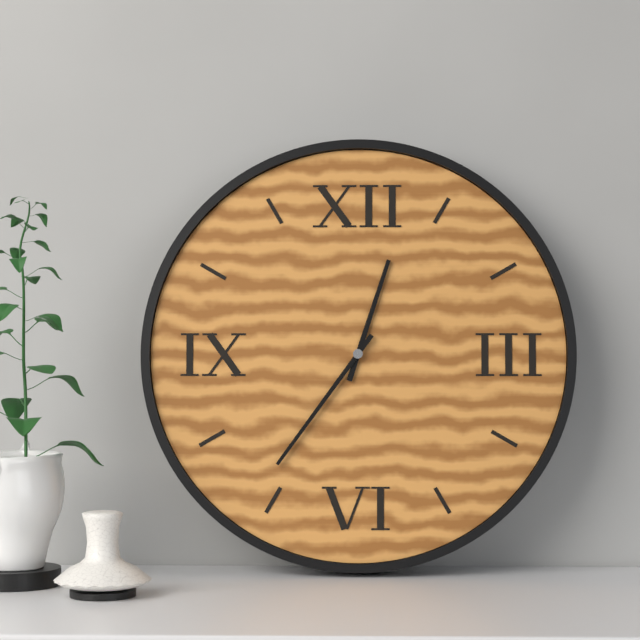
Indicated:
12.36
